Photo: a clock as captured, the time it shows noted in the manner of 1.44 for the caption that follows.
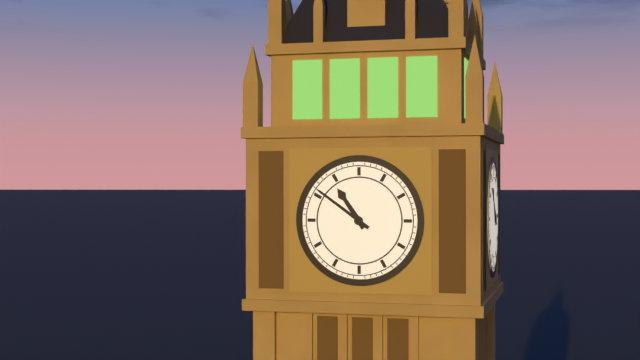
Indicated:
10.51
